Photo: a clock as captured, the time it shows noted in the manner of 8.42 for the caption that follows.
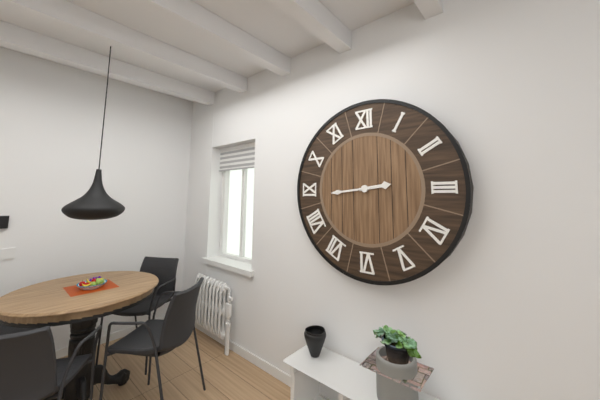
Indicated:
2.44
